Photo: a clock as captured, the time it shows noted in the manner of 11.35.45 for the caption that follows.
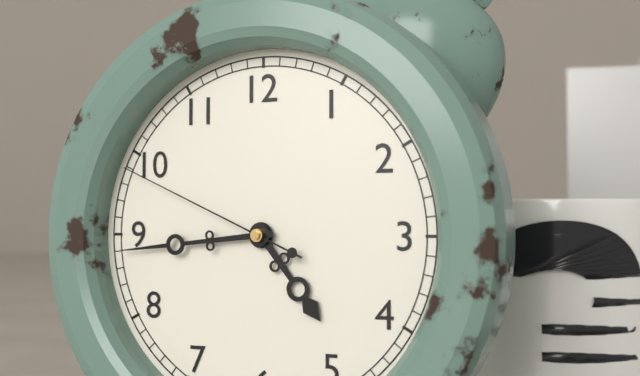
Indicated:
4.44.49
